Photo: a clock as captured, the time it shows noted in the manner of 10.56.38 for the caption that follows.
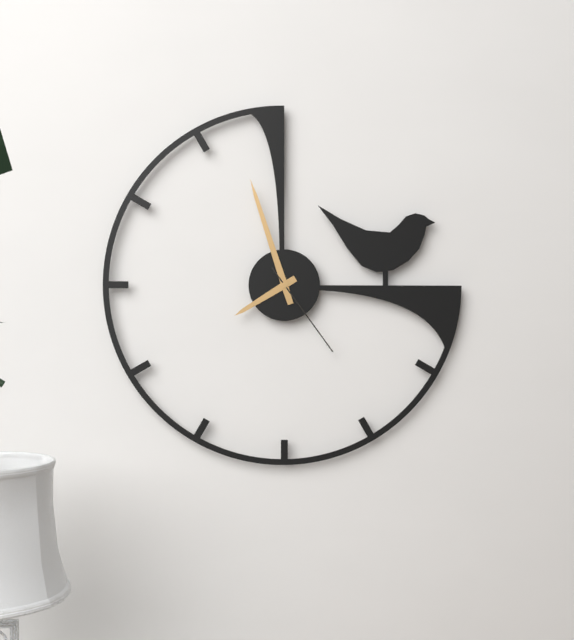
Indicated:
7.57.24
